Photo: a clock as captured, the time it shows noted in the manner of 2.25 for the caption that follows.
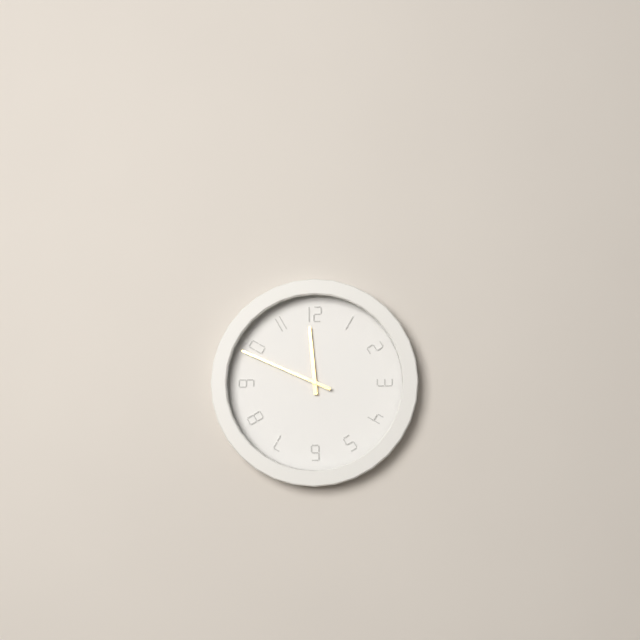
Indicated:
11.49
